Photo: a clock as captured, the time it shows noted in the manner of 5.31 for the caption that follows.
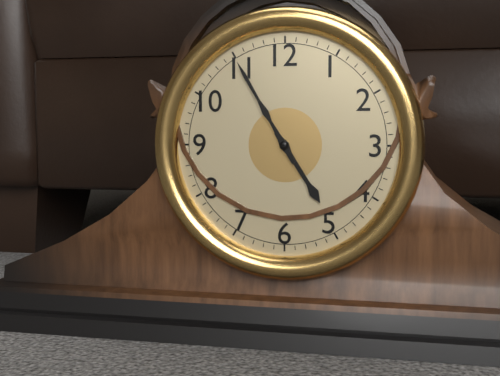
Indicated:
4.55
